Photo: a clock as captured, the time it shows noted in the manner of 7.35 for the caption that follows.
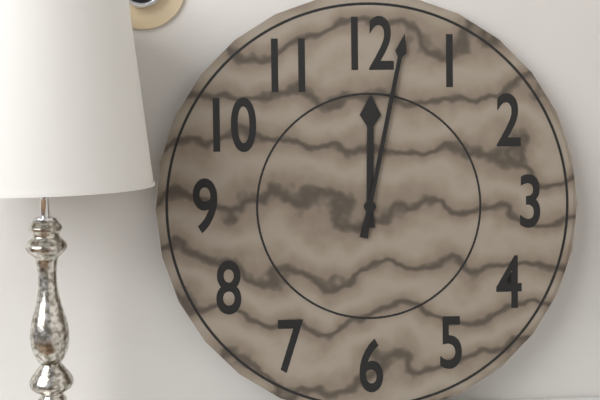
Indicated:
12.02
